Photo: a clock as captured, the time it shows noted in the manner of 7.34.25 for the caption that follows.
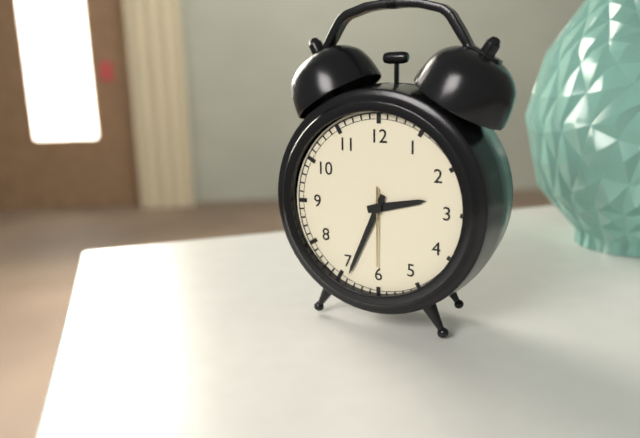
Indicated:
2.34.30
